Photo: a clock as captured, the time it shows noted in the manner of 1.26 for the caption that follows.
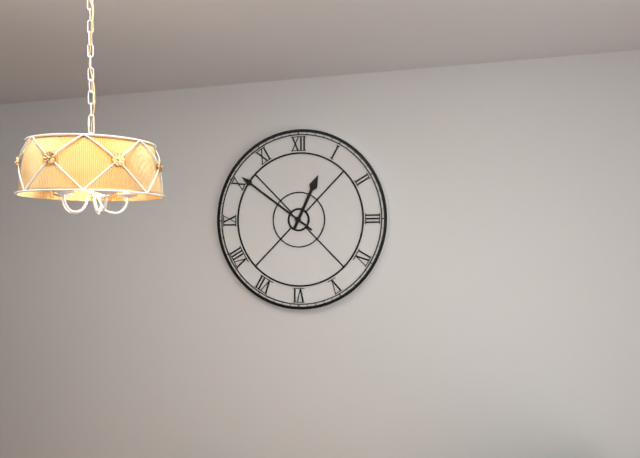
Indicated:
12.51
